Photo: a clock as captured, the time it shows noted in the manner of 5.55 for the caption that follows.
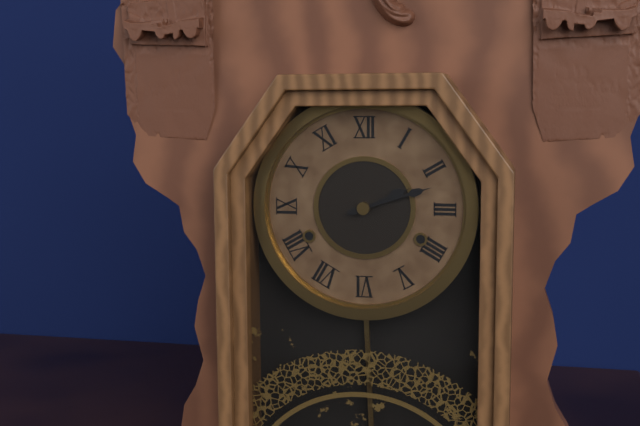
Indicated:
2.12
